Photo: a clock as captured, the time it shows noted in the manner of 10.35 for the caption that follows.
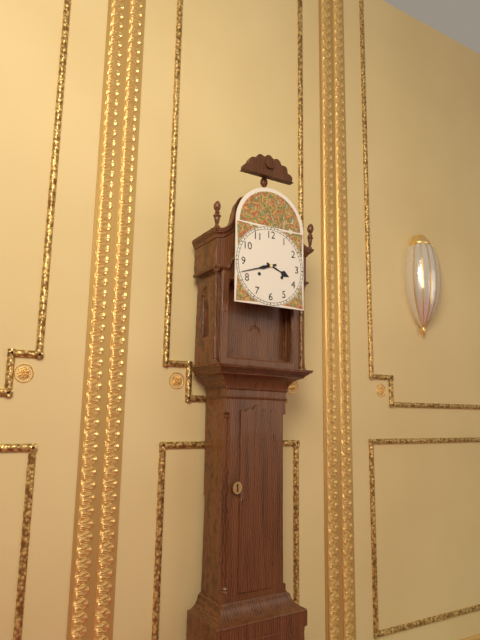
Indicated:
3.42
